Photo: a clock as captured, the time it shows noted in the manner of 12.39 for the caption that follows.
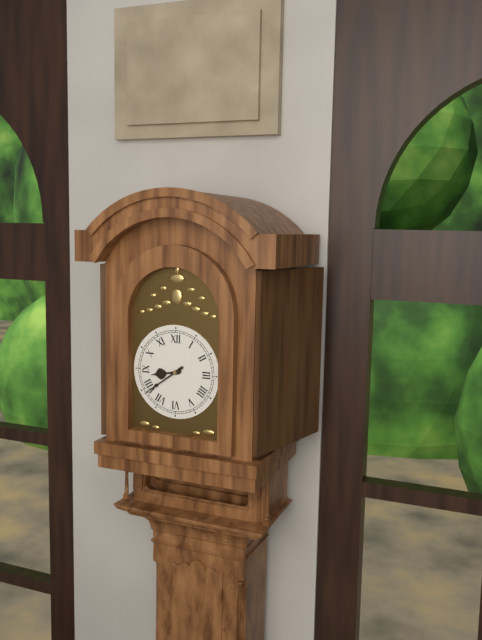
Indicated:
8.39
